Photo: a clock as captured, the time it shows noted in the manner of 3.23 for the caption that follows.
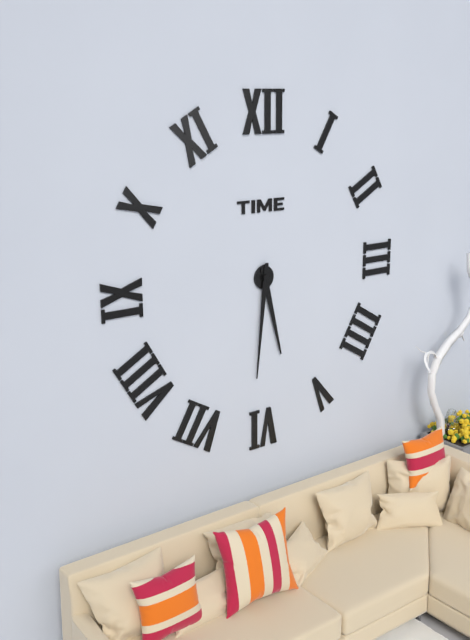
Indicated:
5.31
